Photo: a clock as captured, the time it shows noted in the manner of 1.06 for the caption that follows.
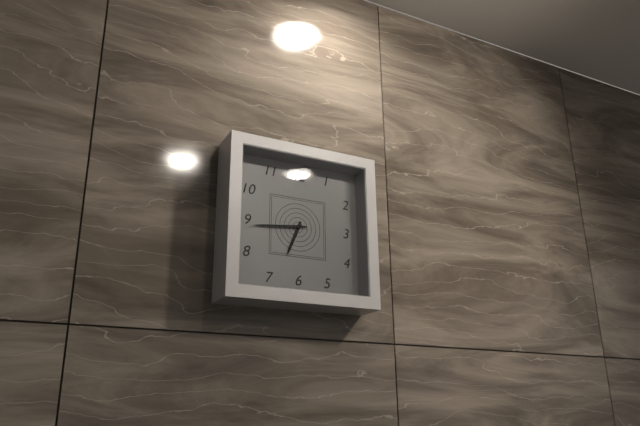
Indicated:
6.44
